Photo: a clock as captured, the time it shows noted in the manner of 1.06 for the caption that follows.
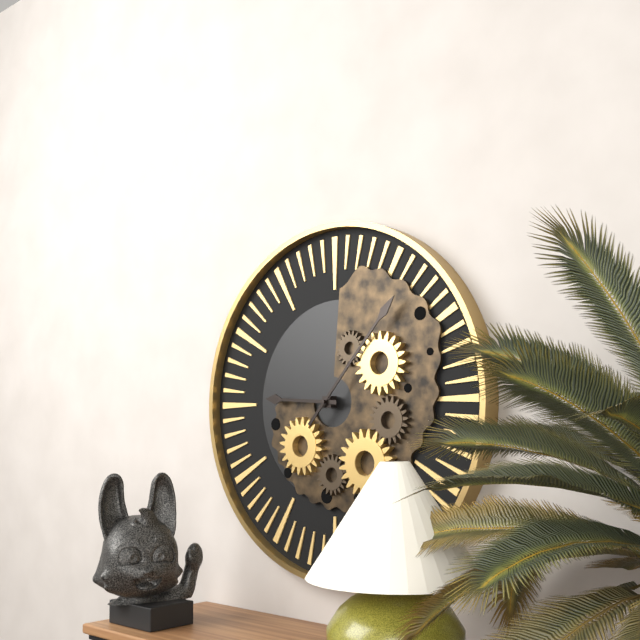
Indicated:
9.07
